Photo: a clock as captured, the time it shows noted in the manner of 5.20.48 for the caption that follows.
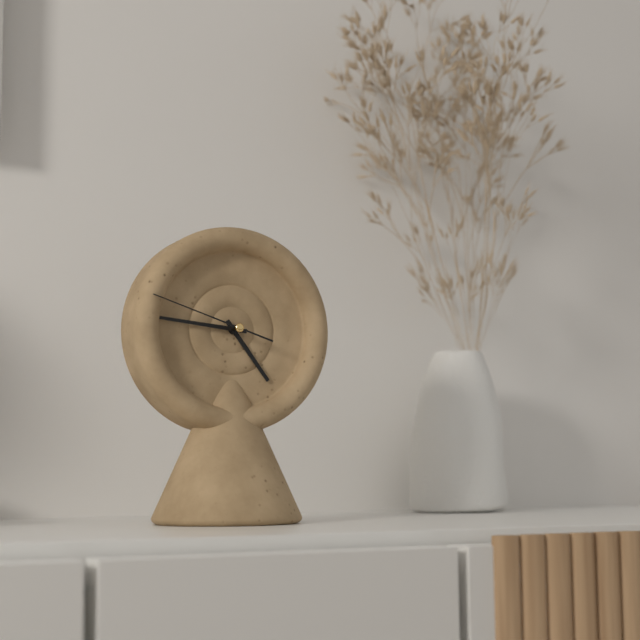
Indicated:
4.46.48
